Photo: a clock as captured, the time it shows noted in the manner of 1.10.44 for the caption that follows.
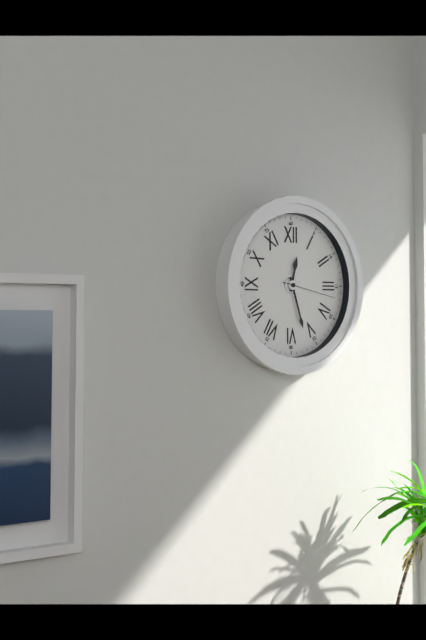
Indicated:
12.27.17
